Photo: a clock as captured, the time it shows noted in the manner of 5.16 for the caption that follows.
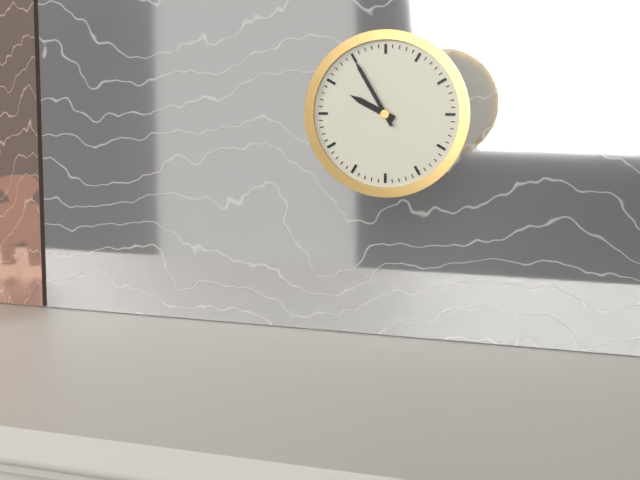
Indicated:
9.55
